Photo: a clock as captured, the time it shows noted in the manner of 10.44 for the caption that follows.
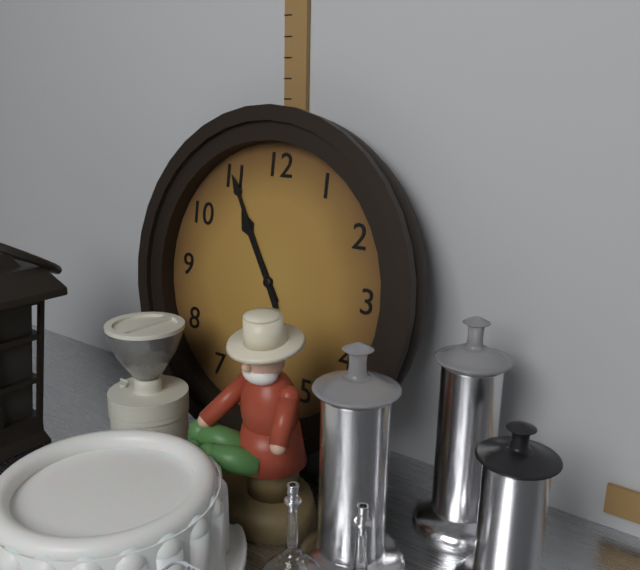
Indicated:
10.55
